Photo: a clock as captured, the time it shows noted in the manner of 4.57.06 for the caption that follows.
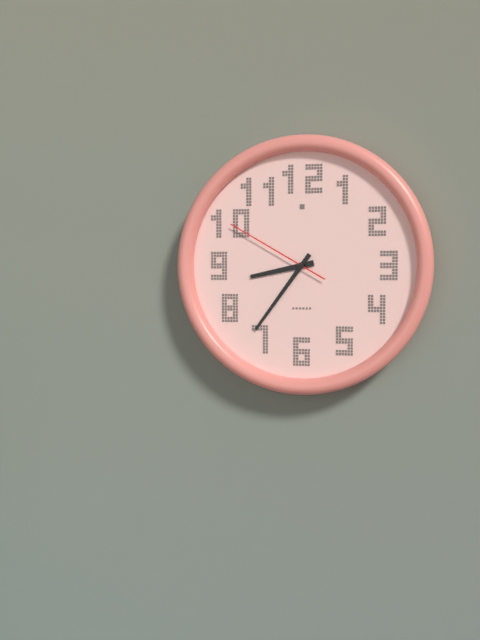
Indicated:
8.36.50
